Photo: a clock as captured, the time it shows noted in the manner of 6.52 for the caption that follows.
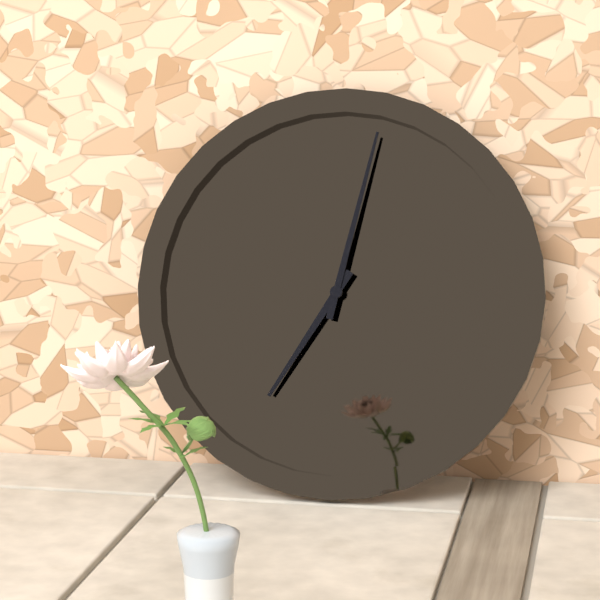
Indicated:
7.02
